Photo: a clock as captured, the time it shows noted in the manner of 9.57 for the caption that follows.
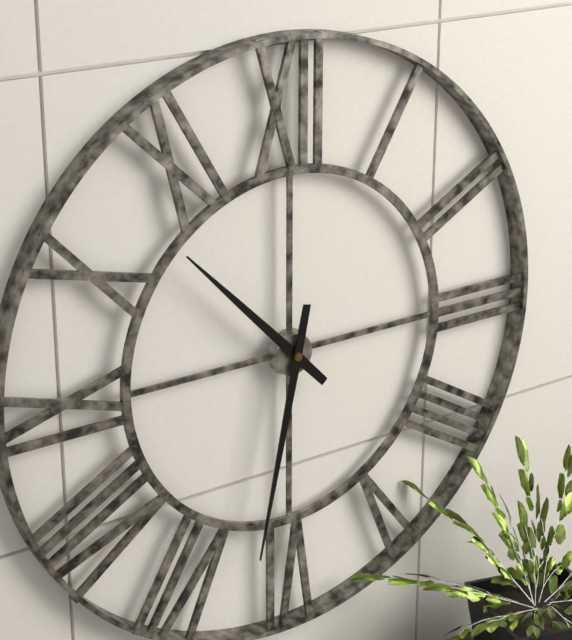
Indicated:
10.32
